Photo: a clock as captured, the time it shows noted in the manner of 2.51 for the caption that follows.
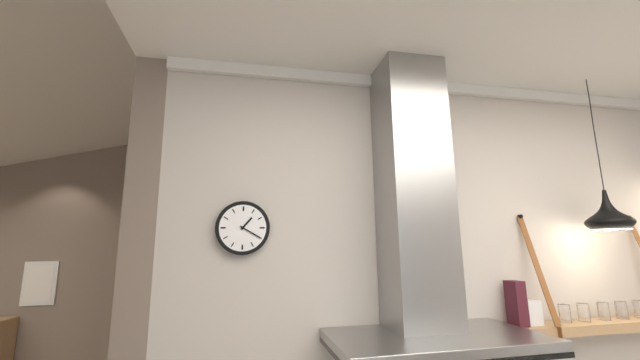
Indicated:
1.20
